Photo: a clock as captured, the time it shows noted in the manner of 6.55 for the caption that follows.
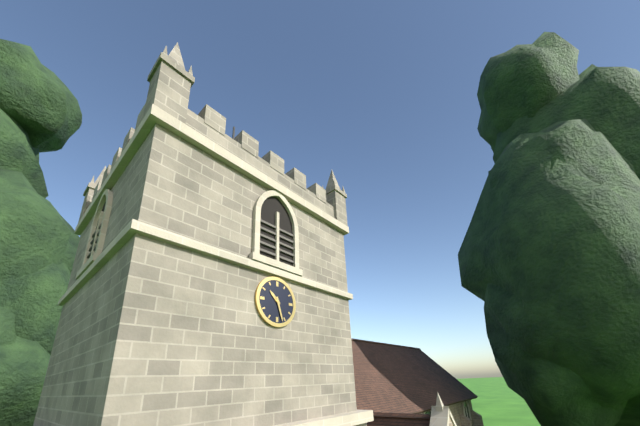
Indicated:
10.27
